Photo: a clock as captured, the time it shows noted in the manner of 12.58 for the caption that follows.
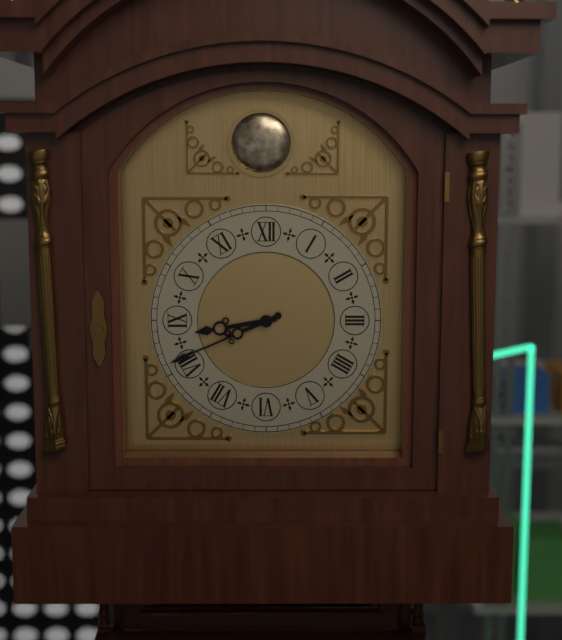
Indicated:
8.41
